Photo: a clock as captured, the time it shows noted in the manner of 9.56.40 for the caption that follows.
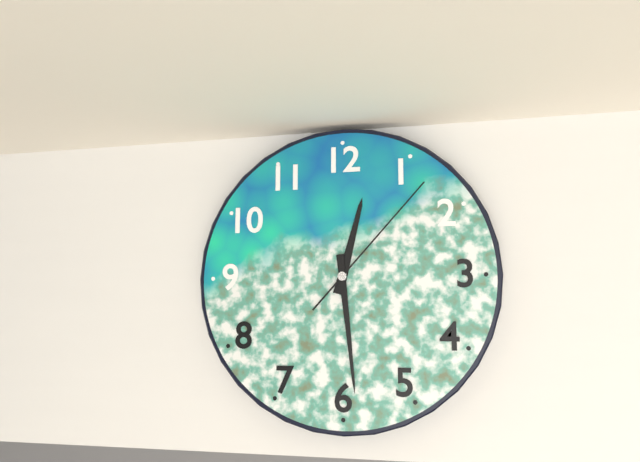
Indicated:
12.29.07
